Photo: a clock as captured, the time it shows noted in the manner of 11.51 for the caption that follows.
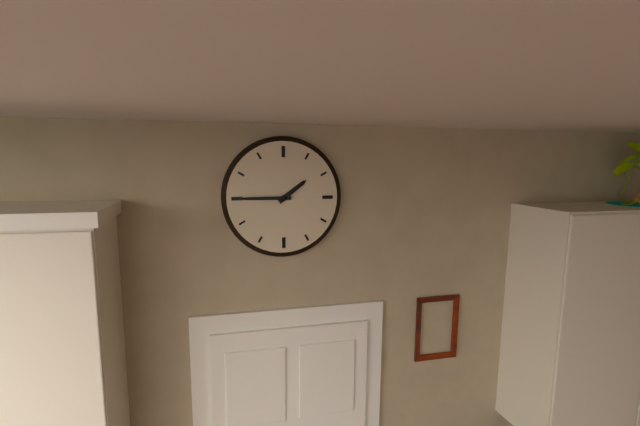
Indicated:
1.45
